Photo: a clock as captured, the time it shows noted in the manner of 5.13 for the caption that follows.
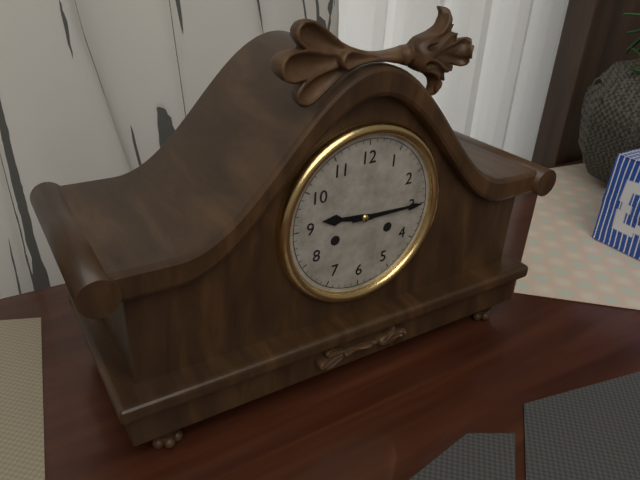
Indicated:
9.15
